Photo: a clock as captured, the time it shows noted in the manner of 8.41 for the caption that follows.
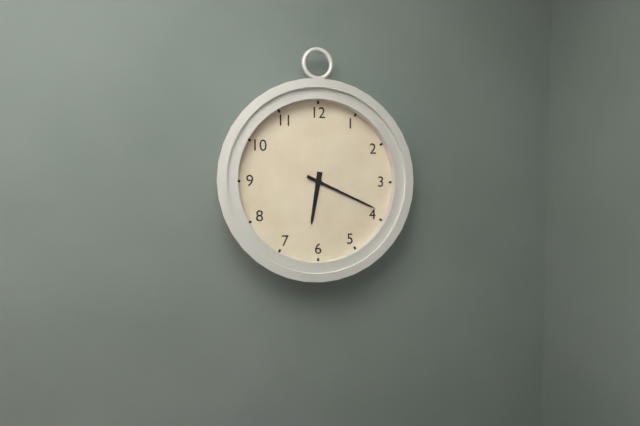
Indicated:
6.19
